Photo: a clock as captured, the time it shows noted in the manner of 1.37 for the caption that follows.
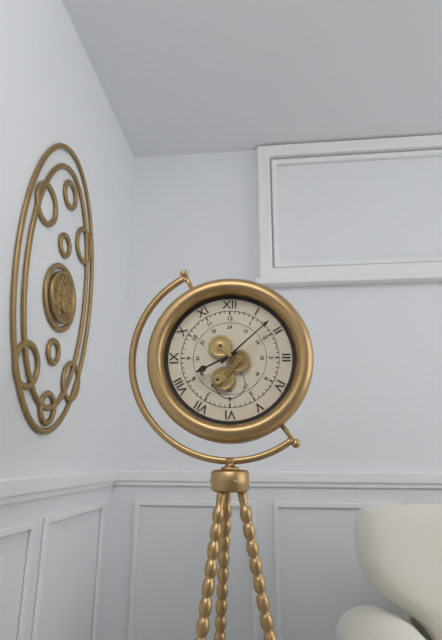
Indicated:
8.08
